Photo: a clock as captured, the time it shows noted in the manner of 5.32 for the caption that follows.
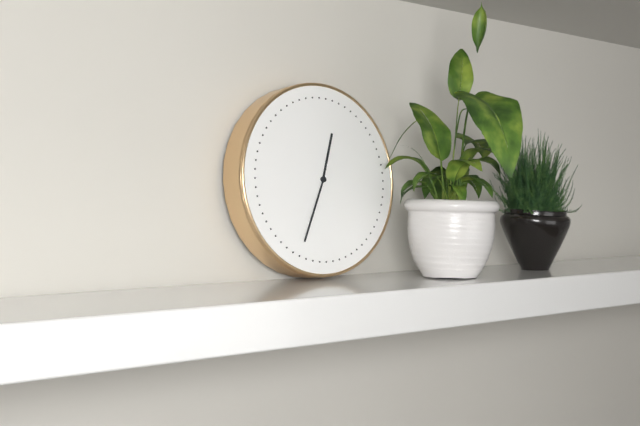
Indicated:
12.34
